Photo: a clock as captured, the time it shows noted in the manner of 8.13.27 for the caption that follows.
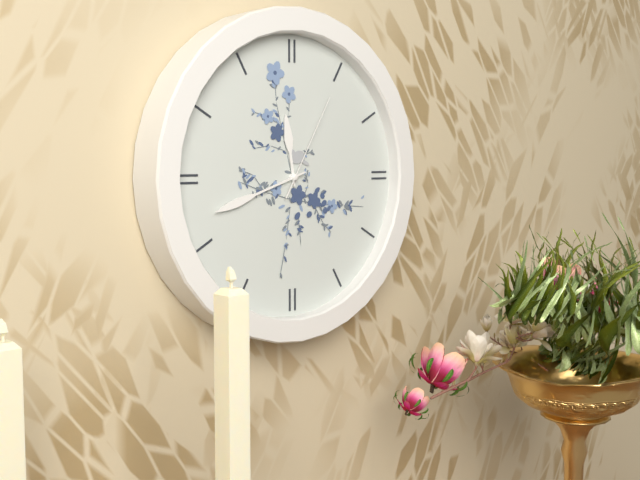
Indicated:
11.42.05
